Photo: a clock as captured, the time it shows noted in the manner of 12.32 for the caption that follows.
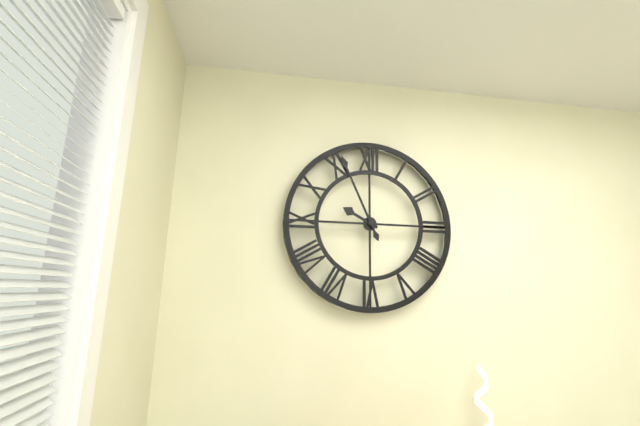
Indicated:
9.56
